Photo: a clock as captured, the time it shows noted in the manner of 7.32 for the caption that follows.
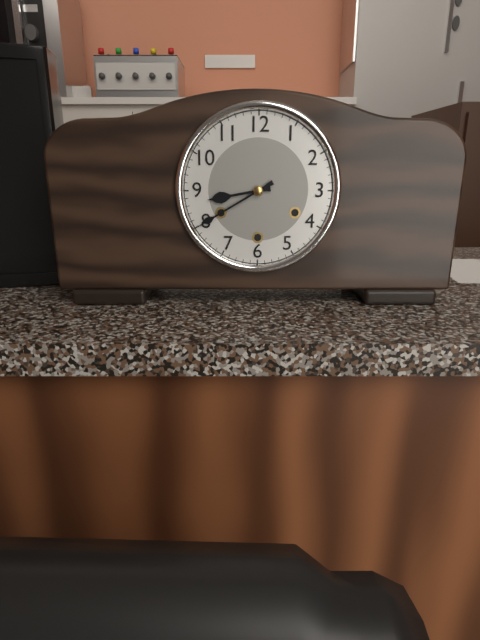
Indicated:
8.40
